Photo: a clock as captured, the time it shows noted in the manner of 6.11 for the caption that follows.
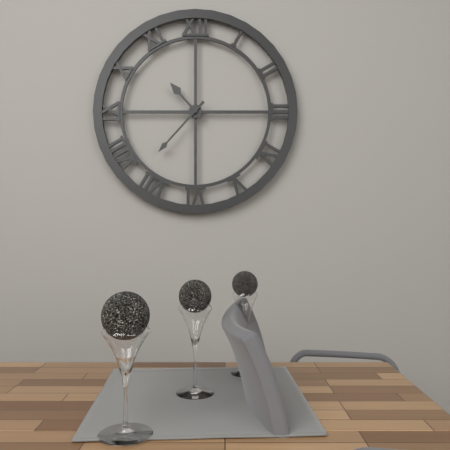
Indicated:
10.37
